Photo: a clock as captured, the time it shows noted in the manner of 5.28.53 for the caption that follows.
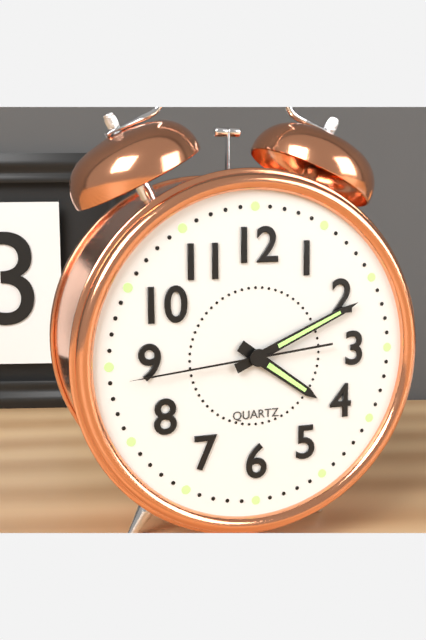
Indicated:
4.11.44
